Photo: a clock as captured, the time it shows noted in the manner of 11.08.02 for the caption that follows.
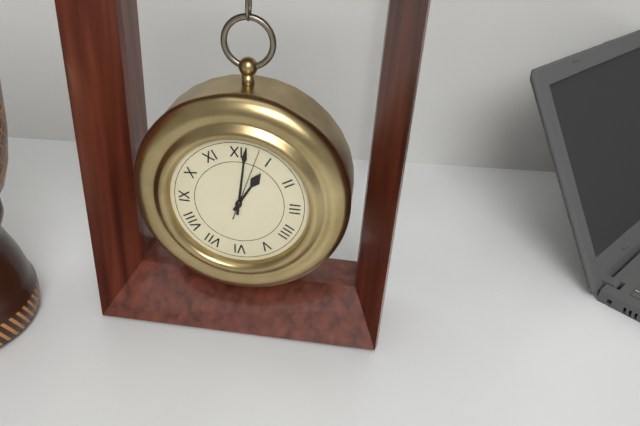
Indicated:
1.01.03
